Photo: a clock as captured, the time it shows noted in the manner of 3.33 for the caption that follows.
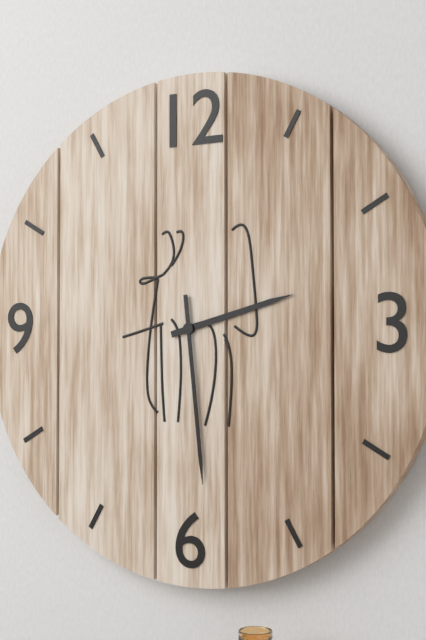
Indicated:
2.29
